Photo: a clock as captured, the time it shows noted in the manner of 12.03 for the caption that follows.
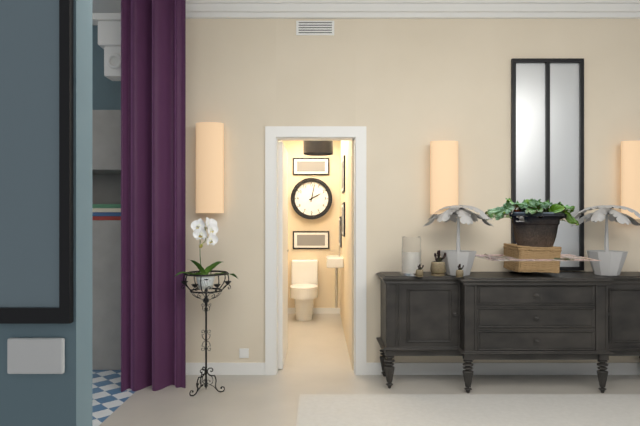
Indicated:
2.02
